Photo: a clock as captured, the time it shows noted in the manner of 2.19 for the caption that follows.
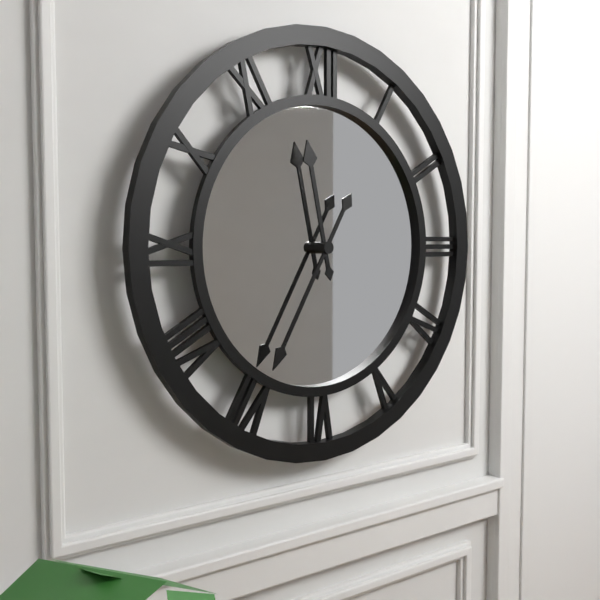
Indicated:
11.35
